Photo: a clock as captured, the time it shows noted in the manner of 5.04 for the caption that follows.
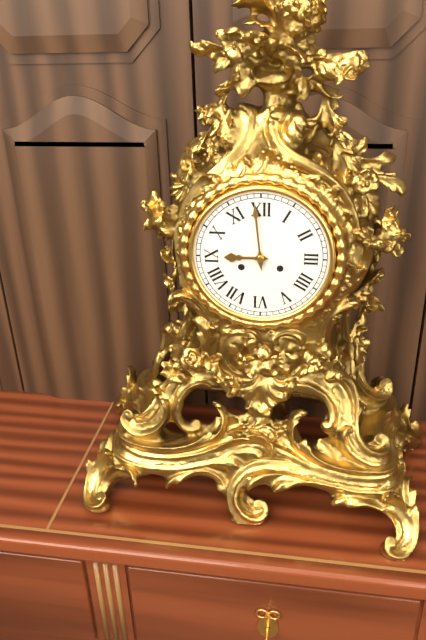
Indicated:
8.59
